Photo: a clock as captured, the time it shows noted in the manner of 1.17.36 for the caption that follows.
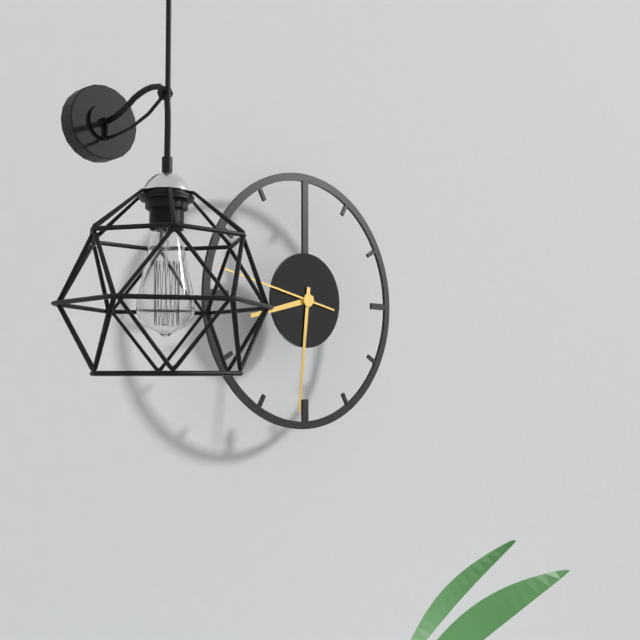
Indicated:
8.31.47
